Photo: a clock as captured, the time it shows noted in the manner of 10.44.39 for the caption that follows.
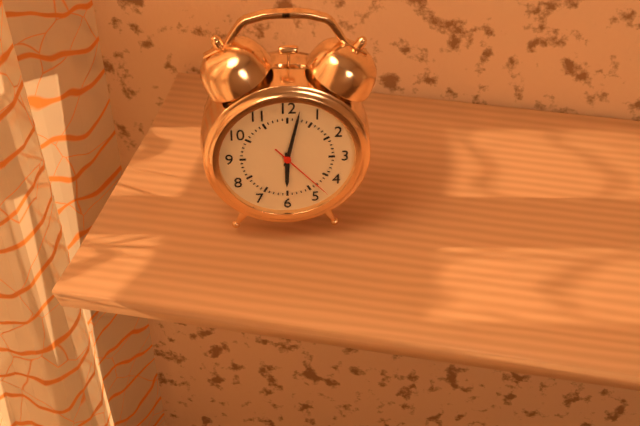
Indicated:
6.02.23
